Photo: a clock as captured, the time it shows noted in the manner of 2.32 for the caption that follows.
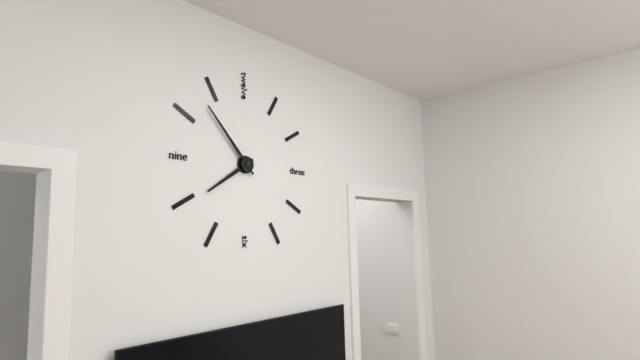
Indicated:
7.53
